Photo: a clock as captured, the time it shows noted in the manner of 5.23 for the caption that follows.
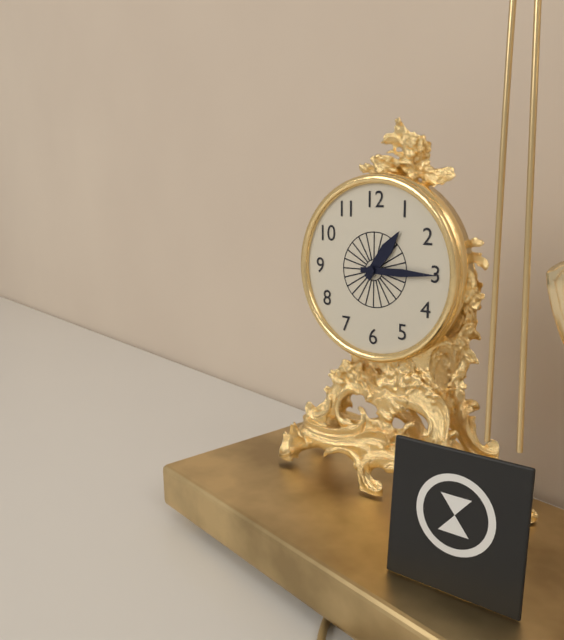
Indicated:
1.15
